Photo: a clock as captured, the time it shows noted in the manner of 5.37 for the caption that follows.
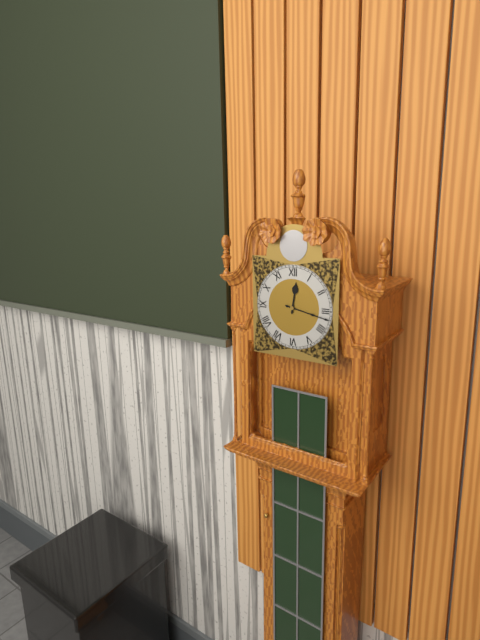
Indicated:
12.17
